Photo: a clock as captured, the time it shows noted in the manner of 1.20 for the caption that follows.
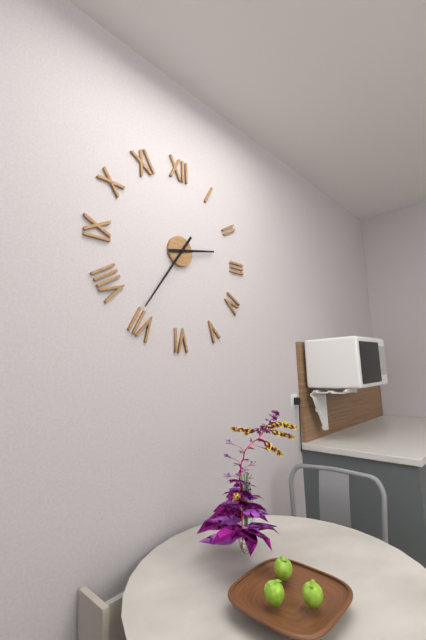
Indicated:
2.36
